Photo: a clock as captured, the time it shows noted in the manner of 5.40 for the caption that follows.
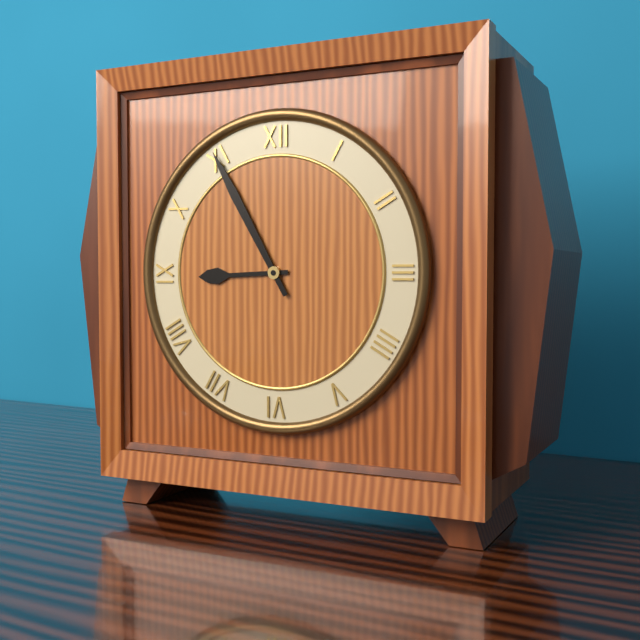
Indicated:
8.55
